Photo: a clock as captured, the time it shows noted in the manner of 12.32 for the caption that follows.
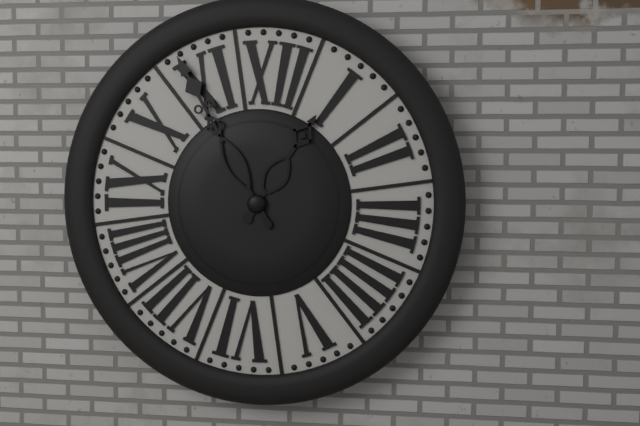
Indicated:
12.54
